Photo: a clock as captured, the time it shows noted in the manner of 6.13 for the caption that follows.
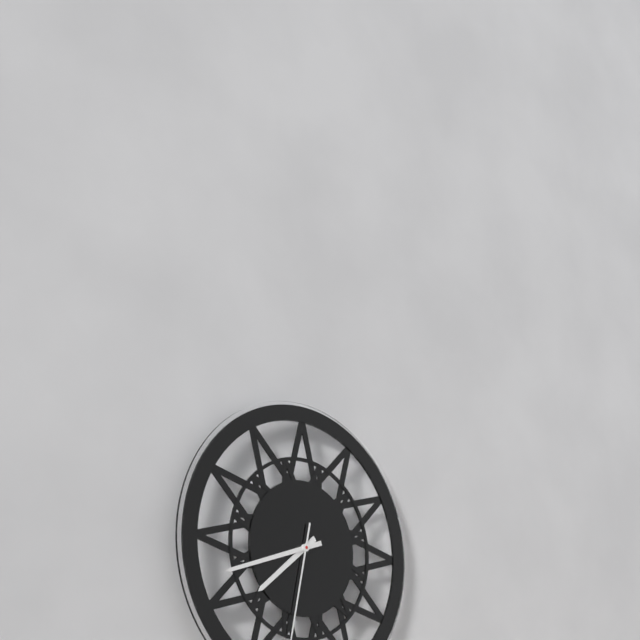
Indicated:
7.42
